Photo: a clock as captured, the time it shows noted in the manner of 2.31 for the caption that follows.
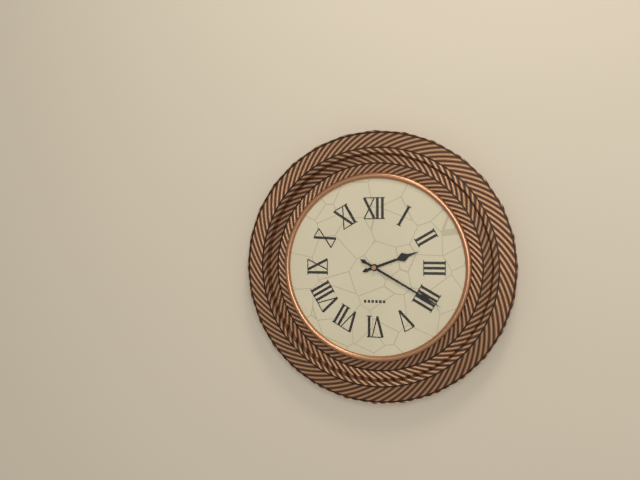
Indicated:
2.20
